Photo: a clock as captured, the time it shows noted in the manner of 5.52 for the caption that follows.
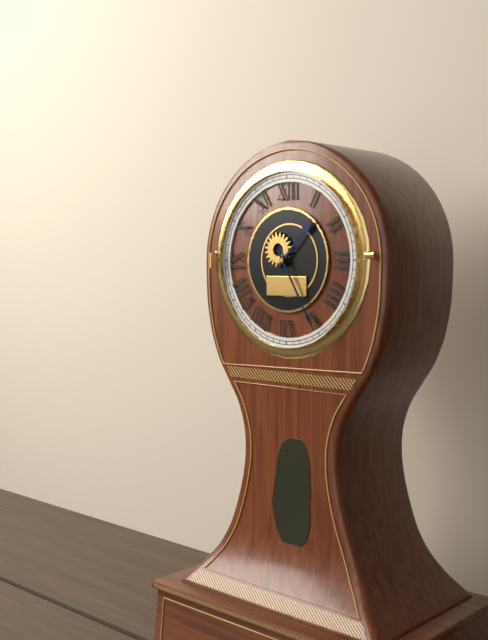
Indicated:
1.25
